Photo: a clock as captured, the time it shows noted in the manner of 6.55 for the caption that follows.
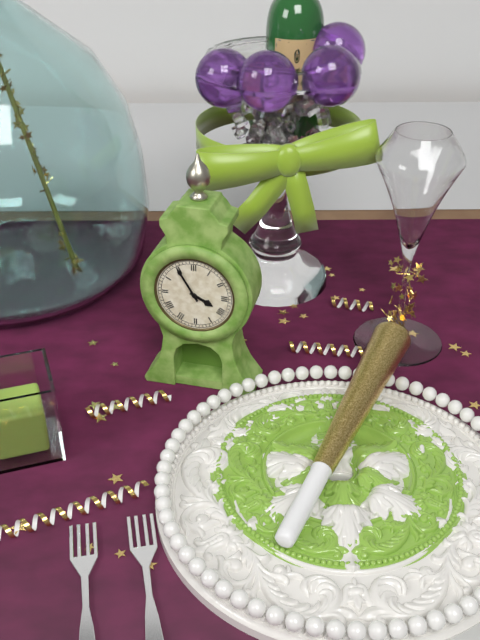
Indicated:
3.55
